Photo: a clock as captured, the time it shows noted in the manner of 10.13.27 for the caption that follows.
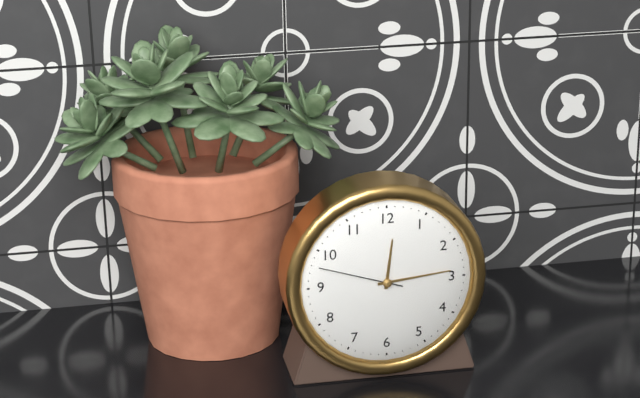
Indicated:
12.14.48
